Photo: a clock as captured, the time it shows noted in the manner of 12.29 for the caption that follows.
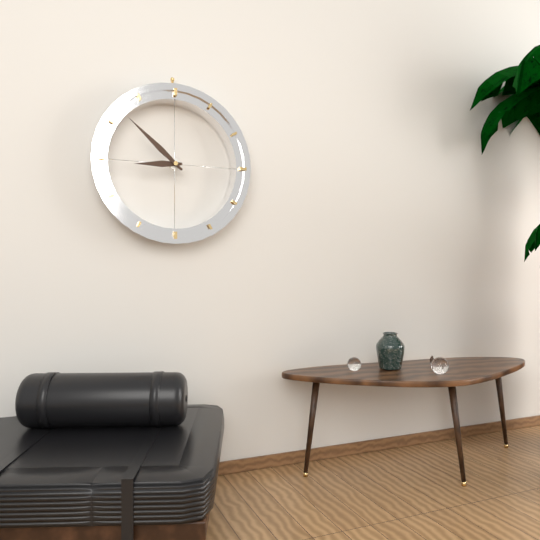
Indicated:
8.52
